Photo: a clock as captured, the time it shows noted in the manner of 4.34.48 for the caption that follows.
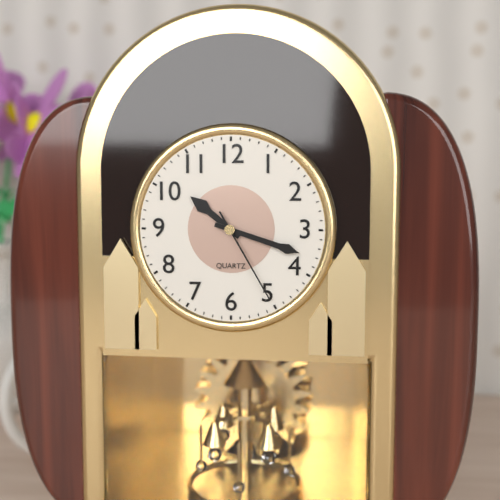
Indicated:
10.18.25
